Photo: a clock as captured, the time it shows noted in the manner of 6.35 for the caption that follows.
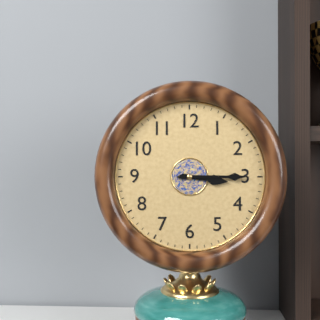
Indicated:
3.15
